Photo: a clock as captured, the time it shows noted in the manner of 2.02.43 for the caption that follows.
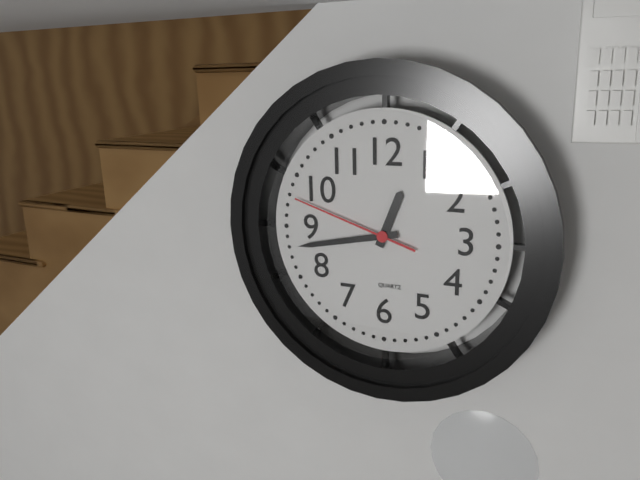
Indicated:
12.43.48
